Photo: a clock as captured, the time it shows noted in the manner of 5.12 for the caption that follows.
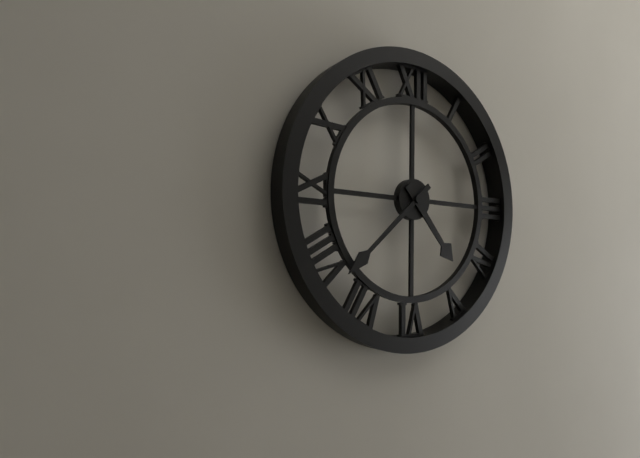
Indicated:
4.38
